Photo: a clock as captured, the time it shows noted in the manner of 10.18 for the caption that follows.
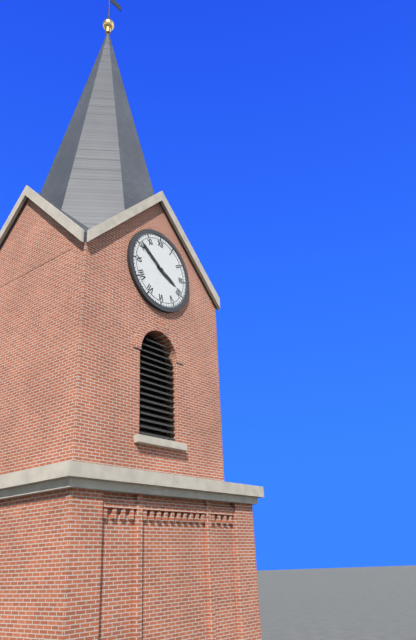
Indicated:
3.51
